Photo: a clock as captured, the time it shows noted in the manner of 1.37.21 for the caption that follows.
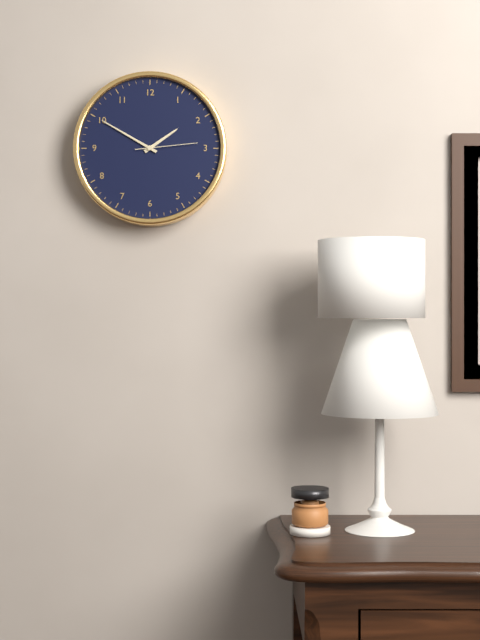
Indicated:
1.50.14
